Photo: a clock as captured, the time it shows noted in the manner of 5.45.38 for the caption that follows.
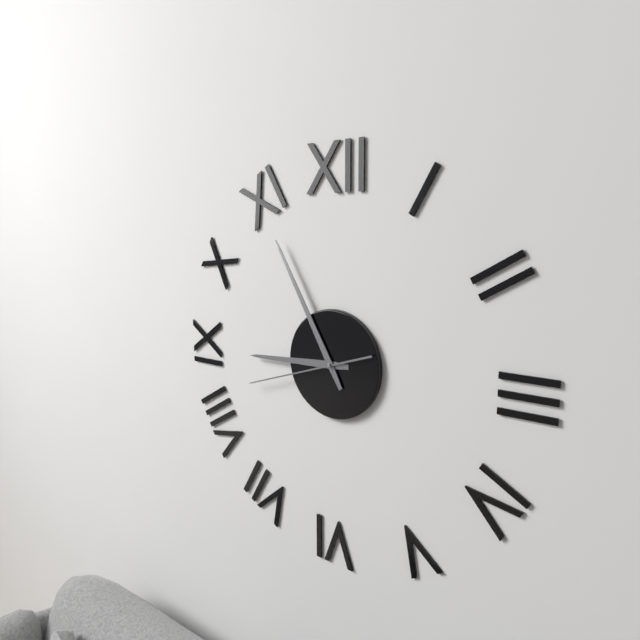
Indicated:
8.55.42
